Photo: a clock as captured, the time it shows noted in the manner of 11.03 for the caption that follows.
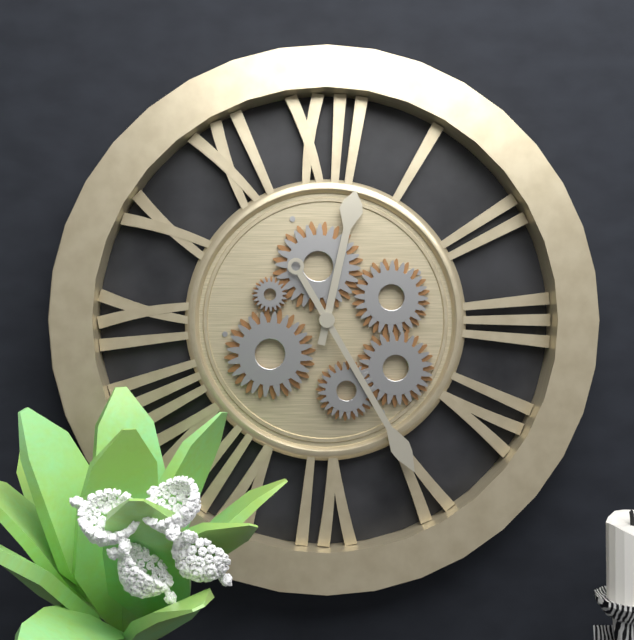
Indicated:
12.25
